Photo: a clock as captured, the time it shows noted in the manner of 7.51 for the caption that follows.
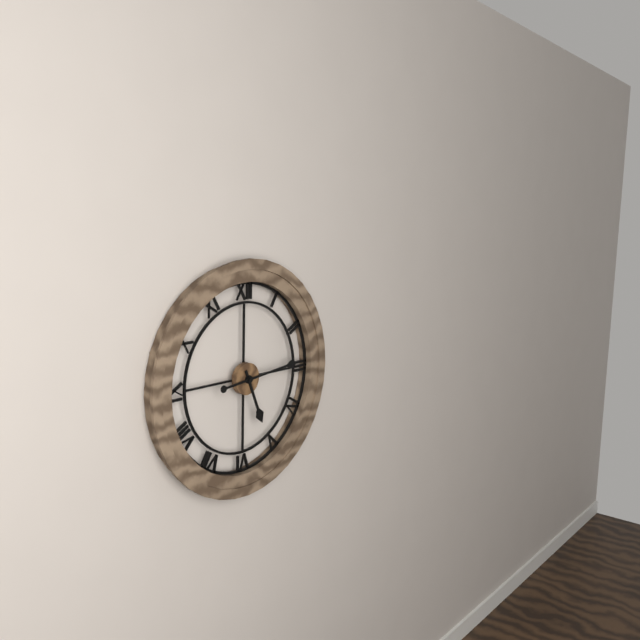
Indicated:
5.14
